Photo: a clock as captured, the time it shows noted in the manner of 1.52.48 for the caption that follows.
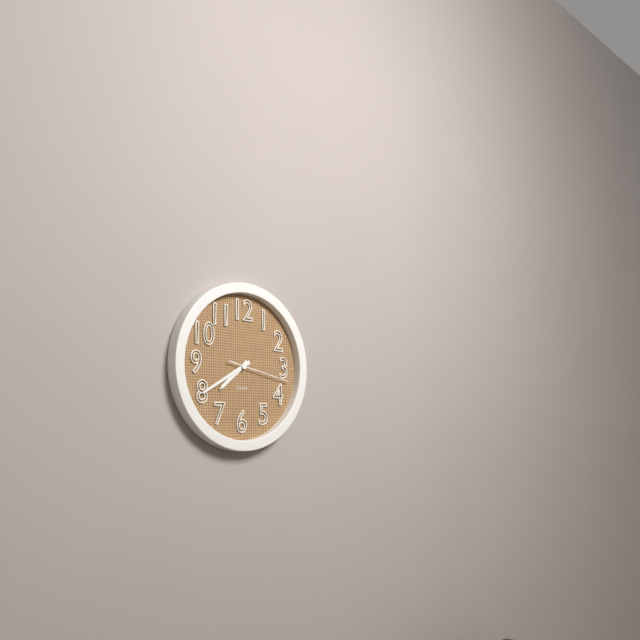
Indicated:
7.40.17
